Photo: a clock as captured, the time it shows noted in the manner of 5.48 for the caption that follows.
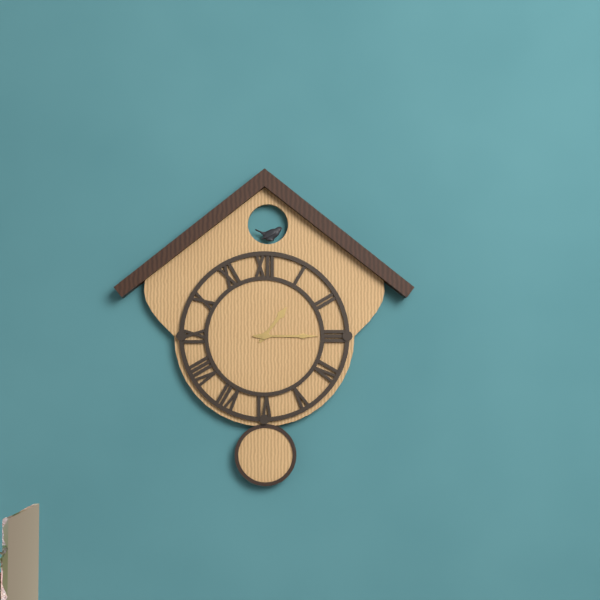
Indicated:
1.15
